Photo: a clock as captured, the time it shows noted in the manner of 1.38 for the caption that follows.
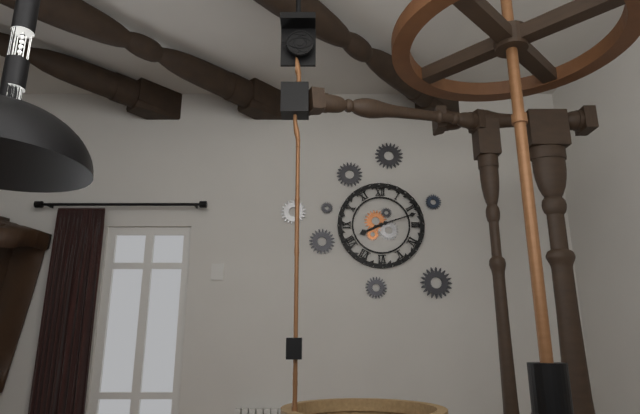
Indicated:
8.12
